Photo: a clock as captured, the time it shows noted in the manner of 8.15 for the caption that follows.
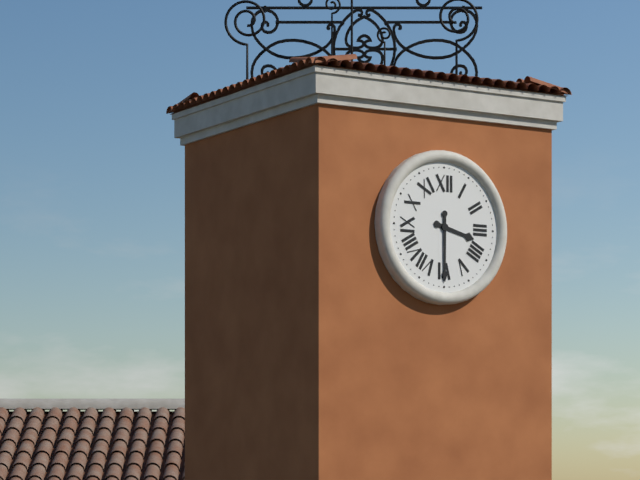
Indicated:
3.30
